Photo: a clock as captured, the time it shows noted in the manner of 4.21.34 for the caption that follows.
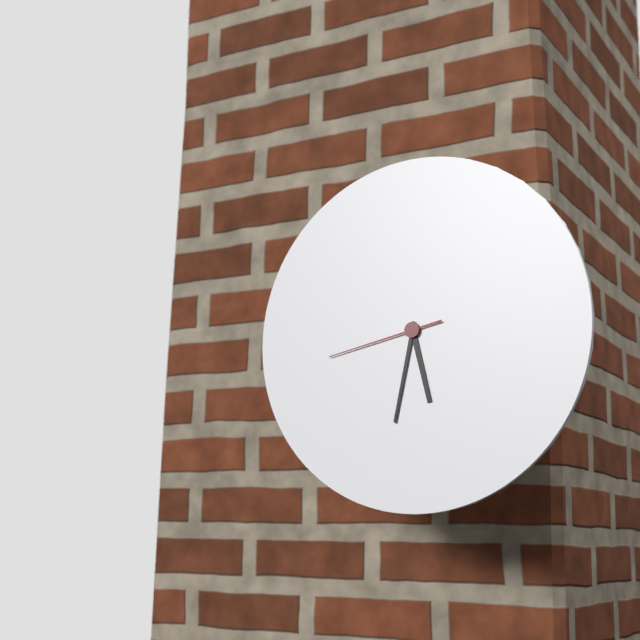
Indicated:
5.32.43
